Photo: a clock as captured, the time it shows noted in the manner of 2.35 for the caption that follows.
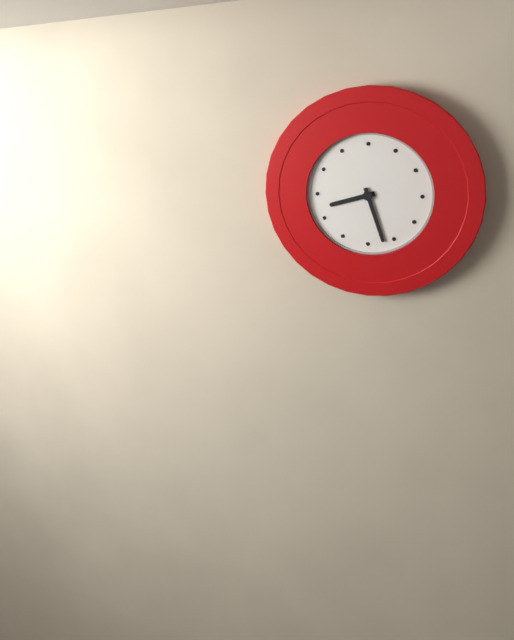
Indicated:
8.27
